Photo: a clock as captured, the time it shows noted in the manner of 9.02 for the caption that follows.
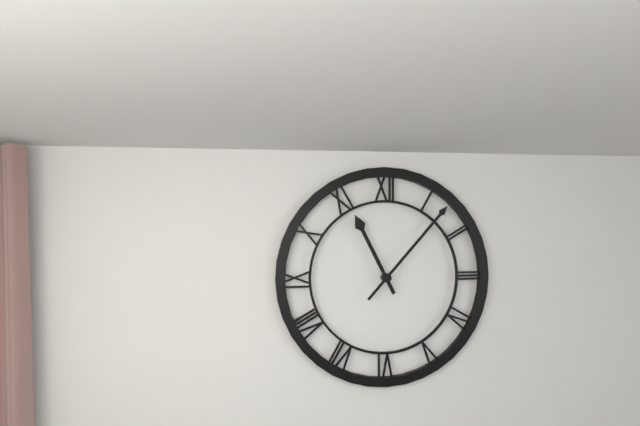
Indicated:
11.07
